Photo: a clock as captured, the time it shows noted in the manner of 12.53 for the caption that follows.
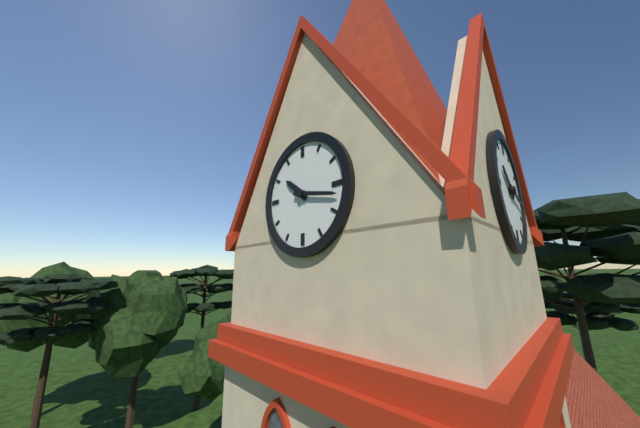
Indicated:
10.17
